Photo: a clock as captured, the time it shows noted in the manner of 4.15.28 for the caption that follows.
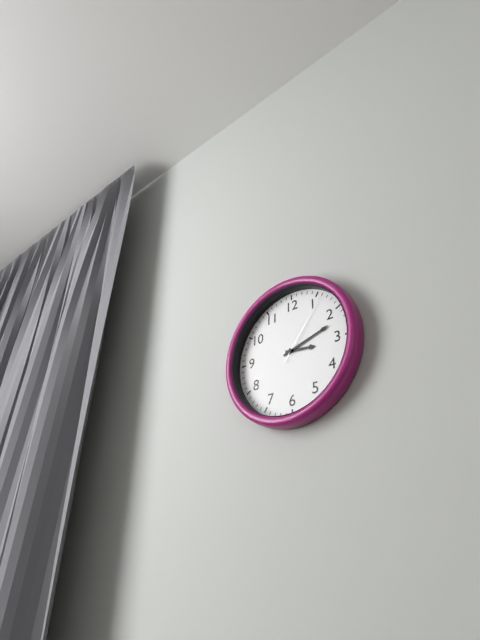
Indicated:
3.12.06
